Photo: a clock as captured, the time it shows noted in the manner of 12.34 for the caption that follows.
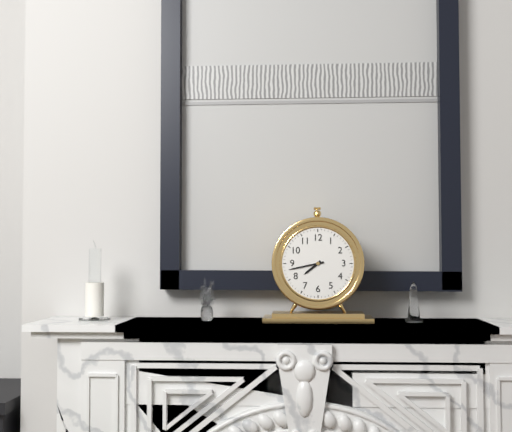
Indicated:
7.43
